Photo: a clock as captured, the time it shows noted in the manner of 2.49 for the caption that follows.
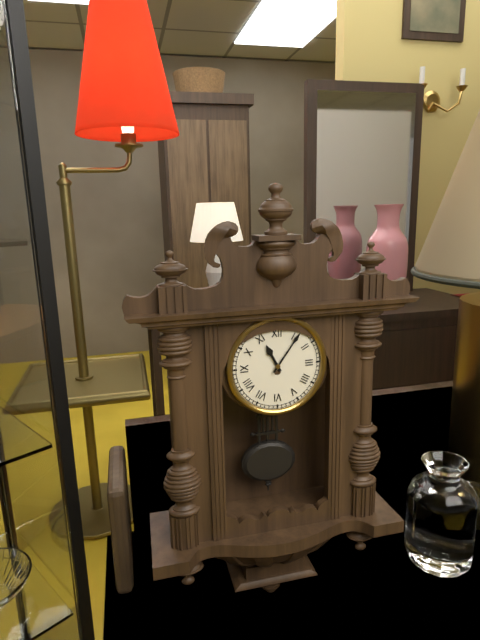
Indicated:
11.06
